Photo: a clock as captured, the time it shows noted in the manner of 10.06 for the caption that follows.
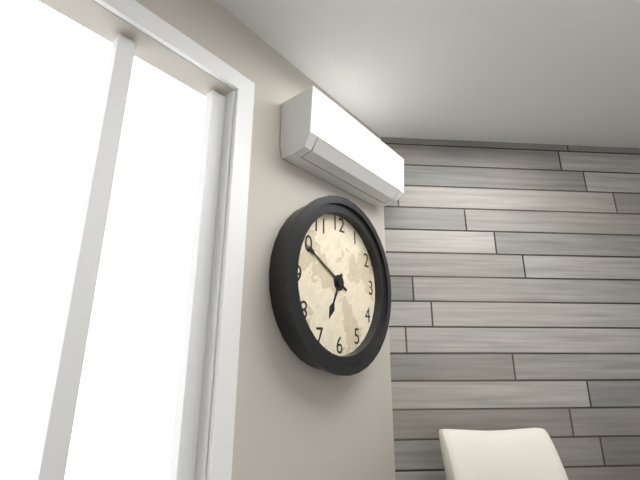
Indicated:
6.50
